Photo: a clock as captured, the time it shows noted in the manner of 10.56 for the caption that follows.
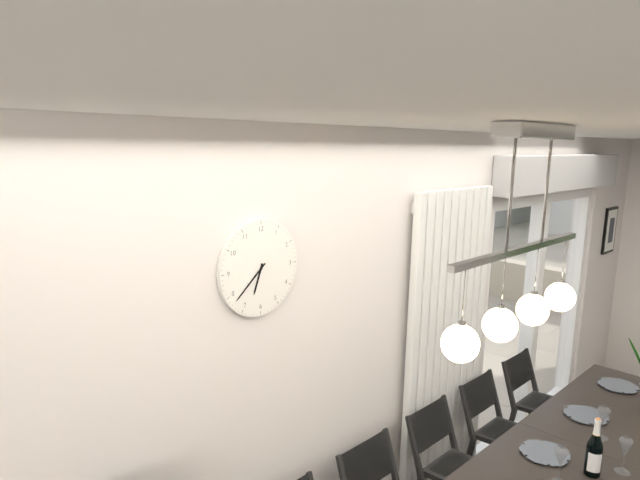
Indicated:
6.38
